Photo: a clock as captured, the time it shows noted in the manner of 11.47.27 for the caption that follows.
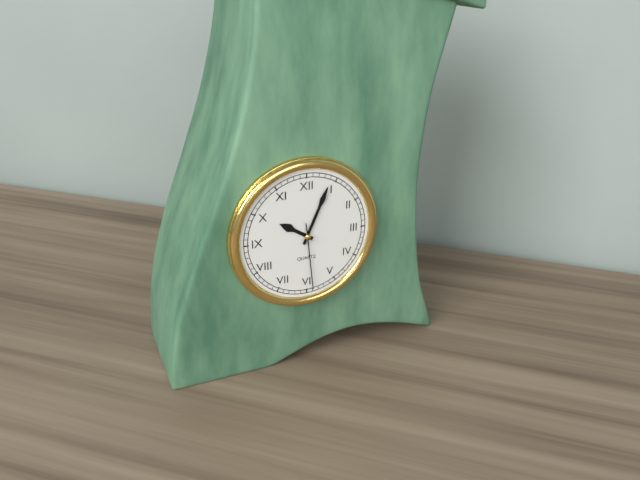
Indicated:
10.04.29
